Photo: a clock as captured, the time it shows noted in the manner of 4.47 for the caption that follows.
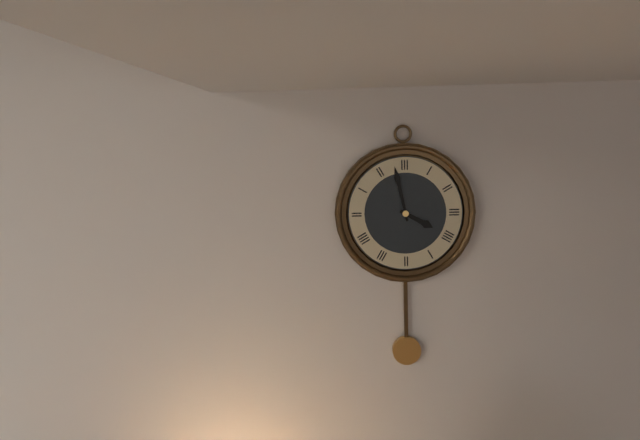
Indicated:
3.58
